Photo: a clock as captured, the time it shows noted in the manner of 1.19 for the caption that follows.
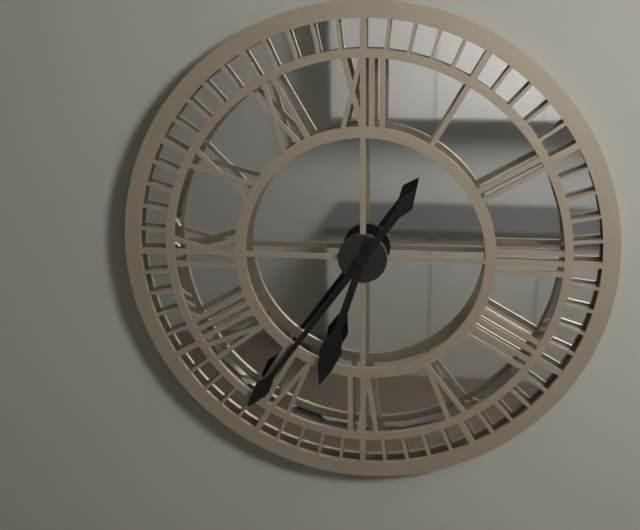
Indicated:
6.36
